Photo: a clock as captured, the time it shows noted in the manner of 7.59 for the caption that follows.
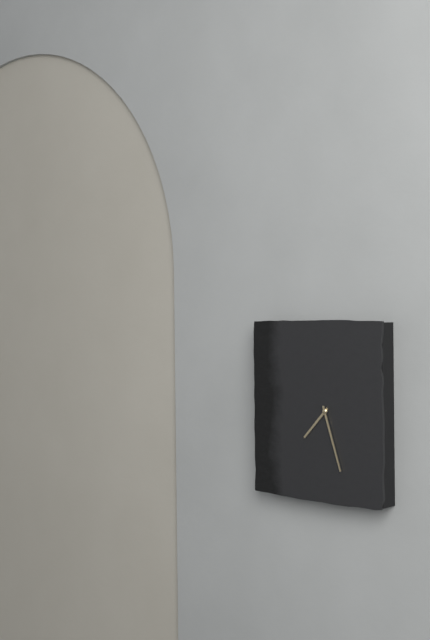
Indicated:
7.27
